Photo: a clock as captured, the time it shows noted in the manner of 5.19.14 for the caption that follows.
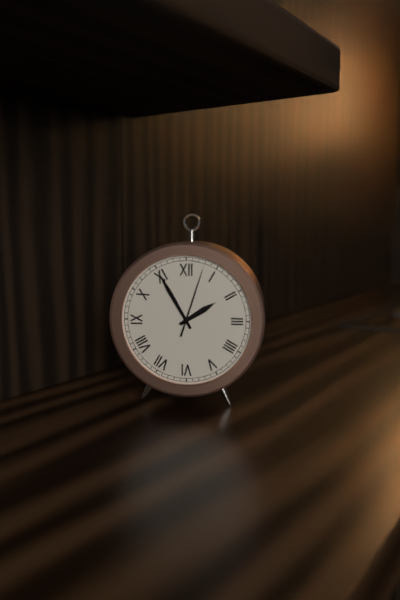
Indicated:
1.55.03
